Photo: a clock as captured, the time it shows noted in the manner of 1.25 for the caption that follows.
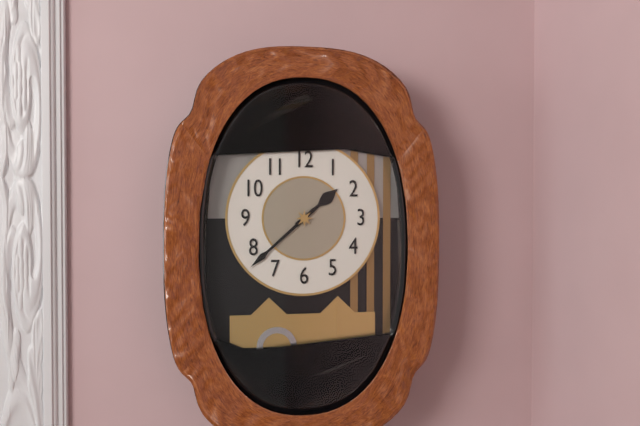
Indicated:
1.38
